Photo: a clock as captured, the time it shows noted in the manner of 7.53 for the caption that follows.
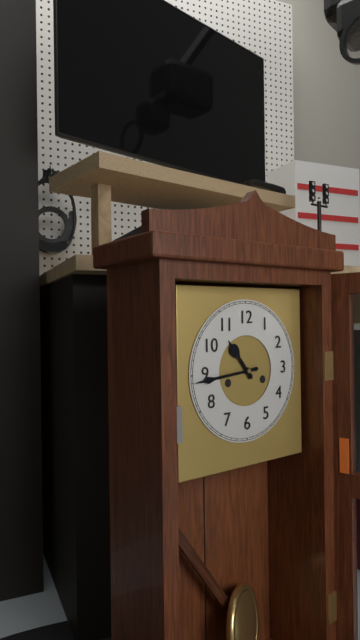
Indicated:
10.44
